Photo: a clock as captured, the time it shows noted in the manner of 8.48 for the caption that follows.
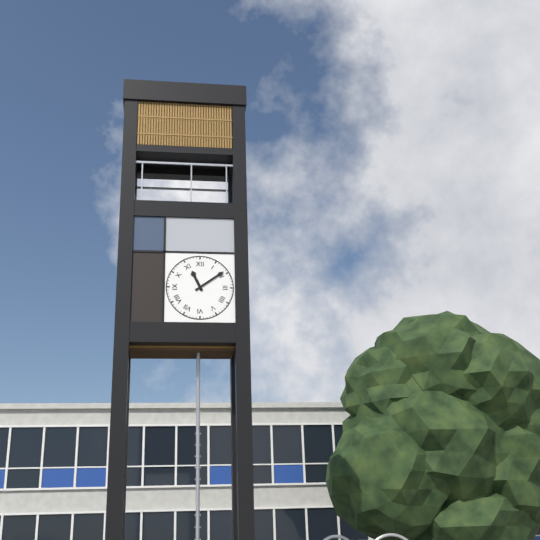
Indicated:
11.09
